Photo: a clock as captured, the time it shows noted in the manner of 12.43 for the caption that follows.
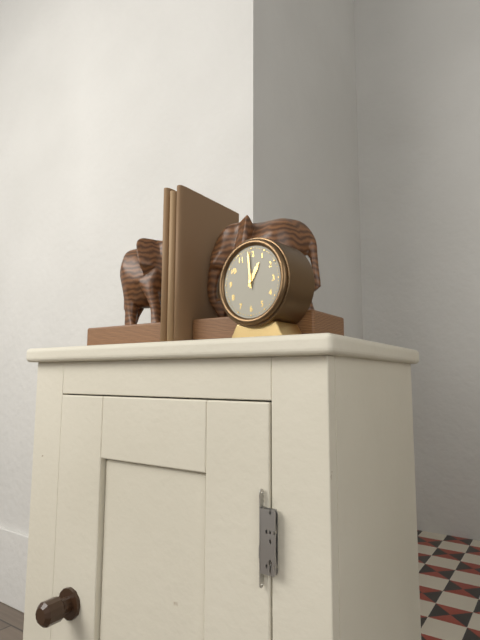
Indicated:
12.59
